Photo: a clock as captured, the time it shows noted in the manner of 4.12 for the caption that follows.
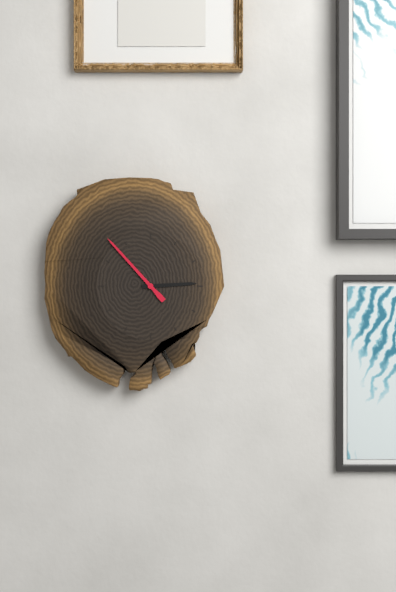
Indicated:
2.53
